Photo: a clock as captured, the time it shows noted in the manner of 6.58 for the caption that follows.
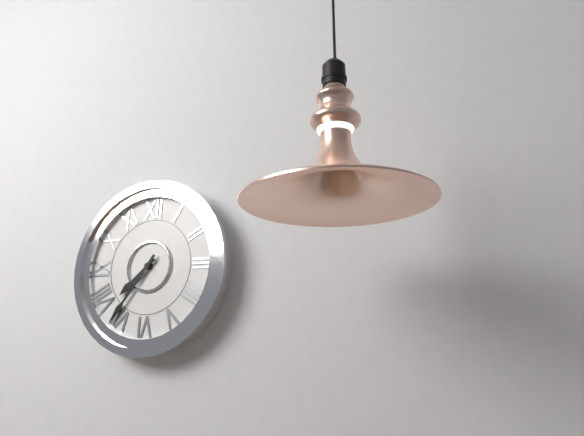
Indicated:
7.36
